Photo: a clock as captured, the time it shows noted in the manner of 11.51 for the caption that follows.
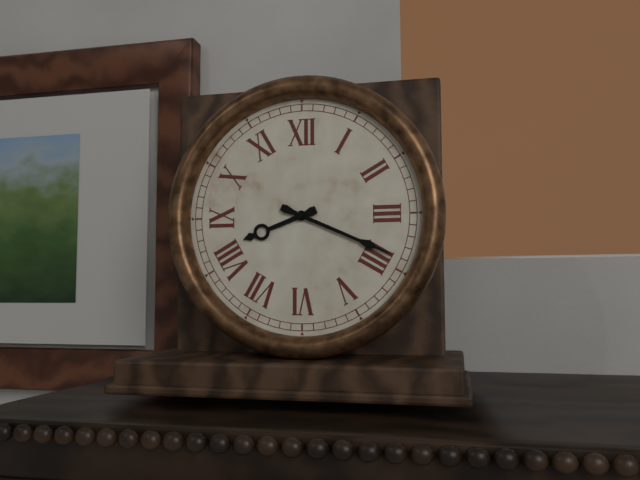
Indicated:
8.19
